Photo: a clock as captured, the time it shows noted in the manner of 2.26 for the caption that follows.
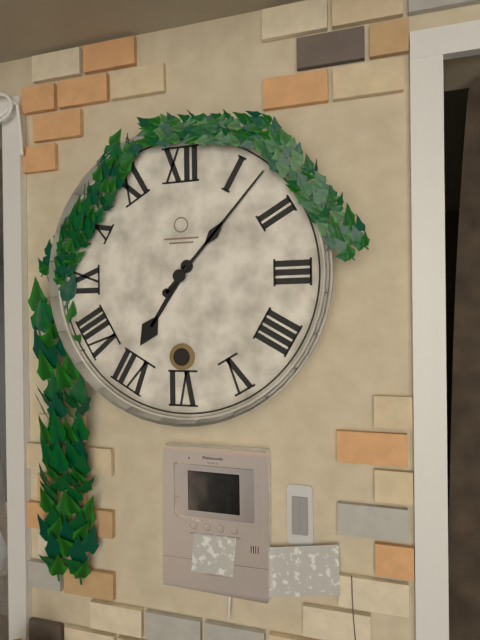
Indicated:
7.07
